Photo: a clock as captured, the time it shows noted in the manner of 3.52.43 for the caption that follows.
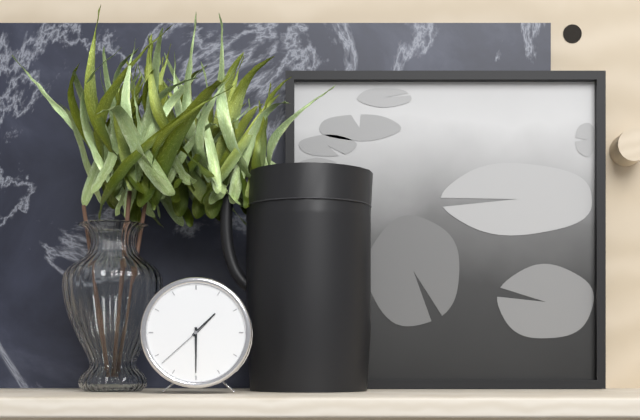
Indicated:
1.30.38
